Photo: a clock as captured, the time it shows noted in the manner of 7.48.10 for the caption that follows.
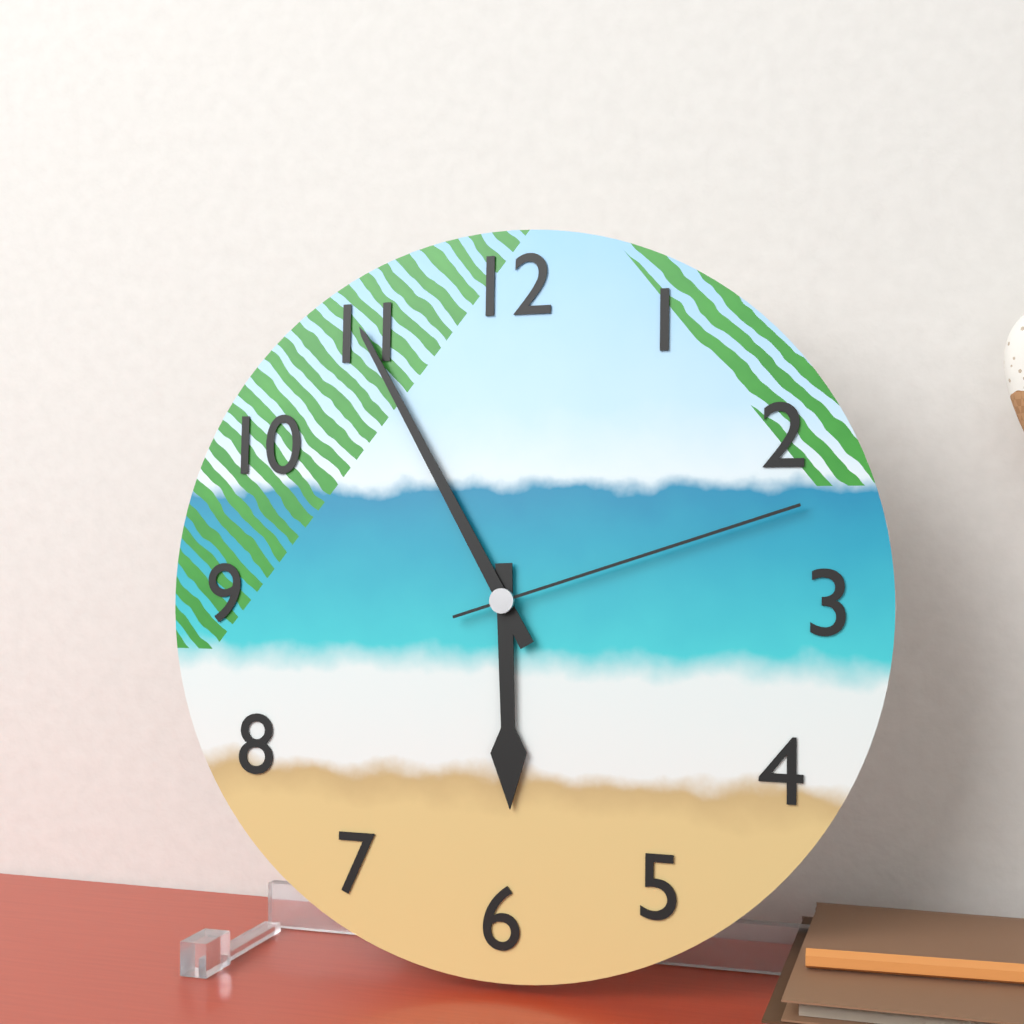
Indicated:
5.55.12
